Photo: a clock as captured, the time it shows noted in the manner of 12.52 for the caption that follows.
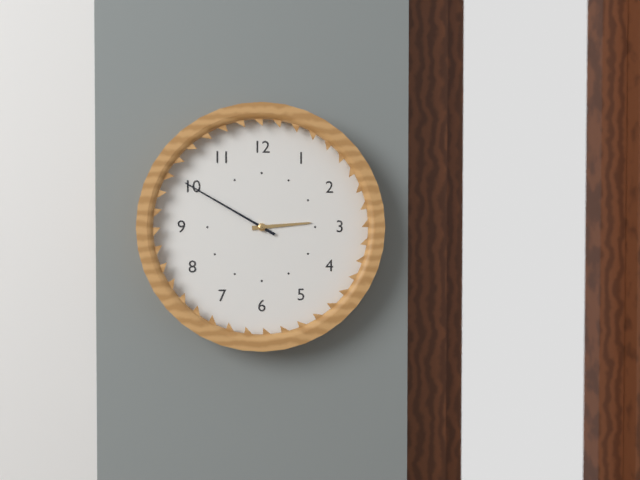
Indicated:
2.50
